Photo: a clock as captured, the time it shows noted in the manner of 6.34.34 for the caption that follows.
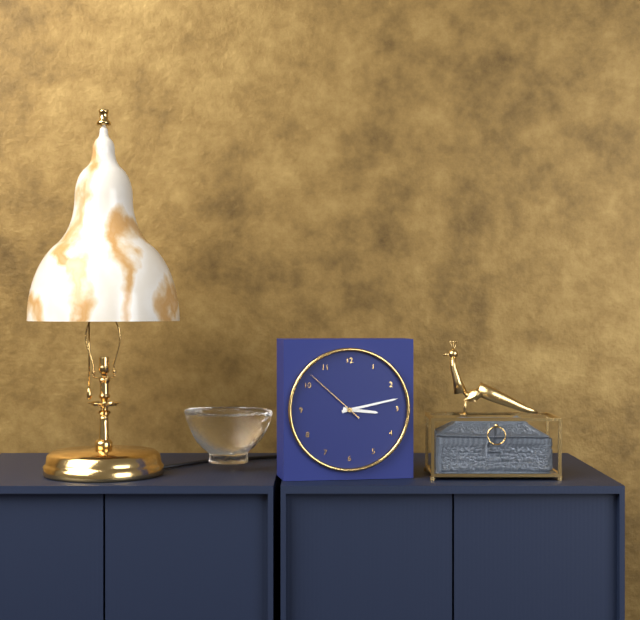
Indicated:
3.13.52
